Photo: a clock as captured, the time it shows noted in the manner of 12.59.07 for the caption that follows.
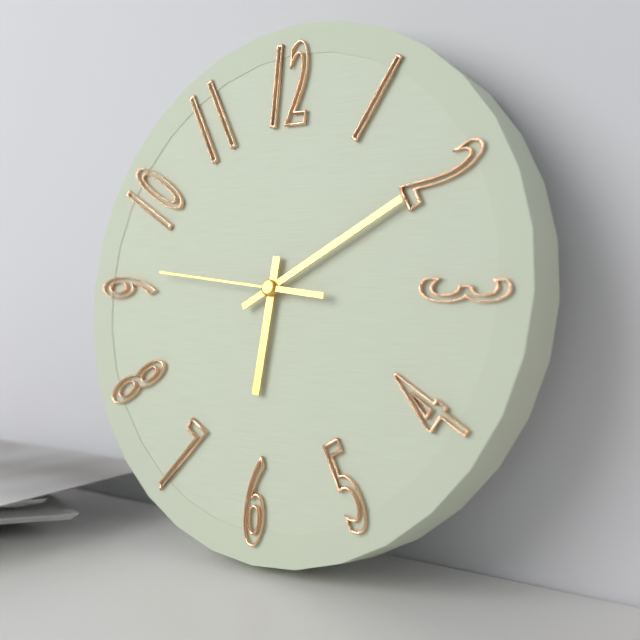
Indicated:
6.10.46
